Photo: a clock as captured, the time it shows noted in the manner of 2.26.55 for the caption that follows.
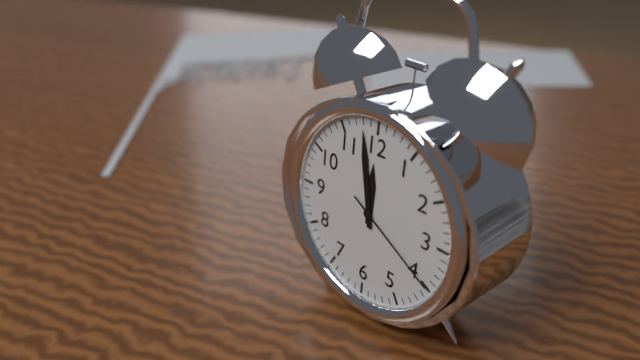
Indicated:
11.58.20
